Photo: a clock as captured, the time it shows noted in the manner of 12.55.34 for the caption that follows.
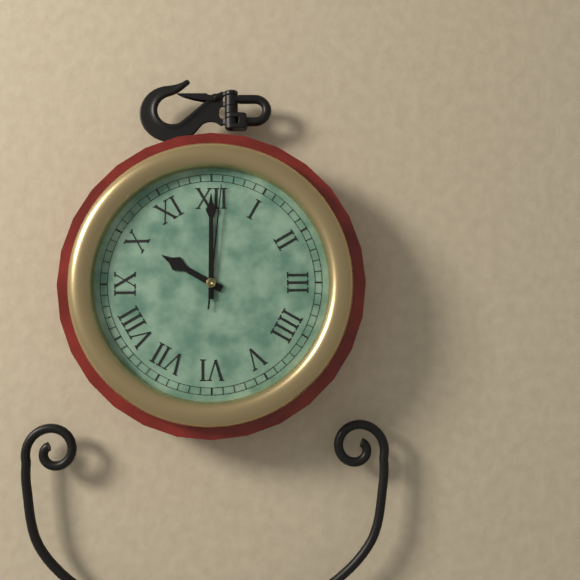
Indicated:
10.00.01
